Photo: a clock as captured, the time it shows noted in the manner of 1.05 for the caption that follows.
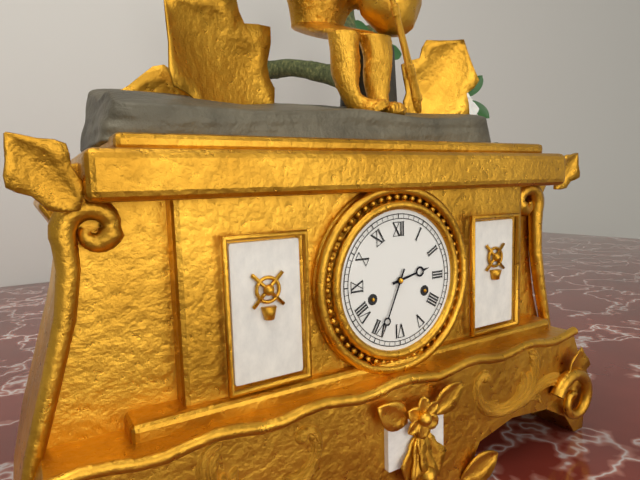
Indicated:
2.34
